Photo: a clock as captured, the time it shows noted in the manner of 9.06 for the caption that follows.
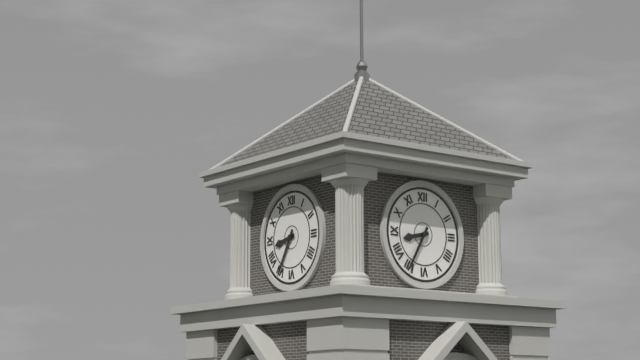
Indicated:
8.35
